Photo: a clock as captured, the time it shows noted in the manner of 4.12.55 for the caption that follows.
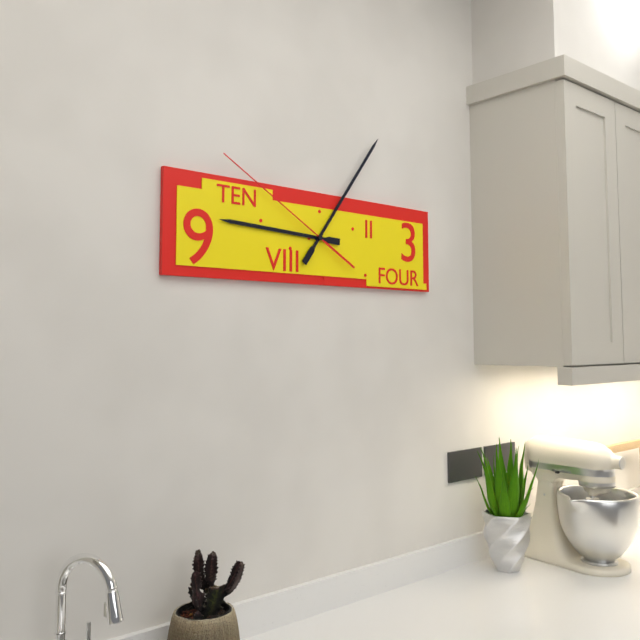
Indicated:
9.06.50
